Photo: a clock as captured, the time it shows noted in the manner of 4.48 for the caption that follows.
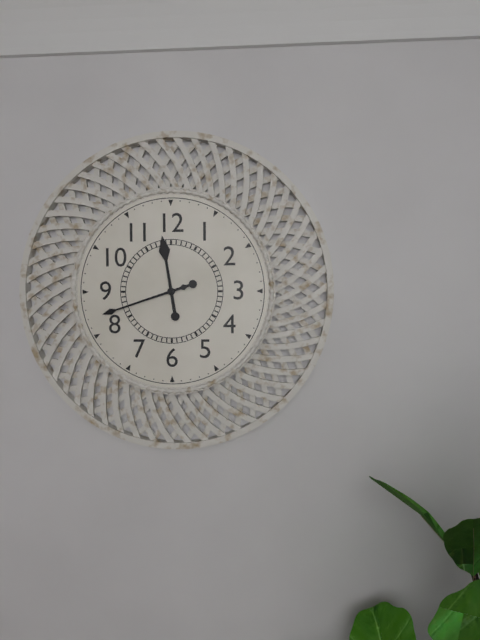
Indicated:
11.42
